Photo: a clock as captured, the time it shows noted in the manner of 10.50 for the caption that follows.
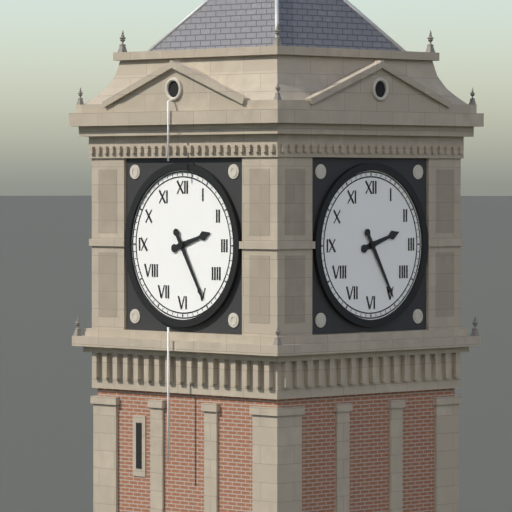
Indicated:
2.25
